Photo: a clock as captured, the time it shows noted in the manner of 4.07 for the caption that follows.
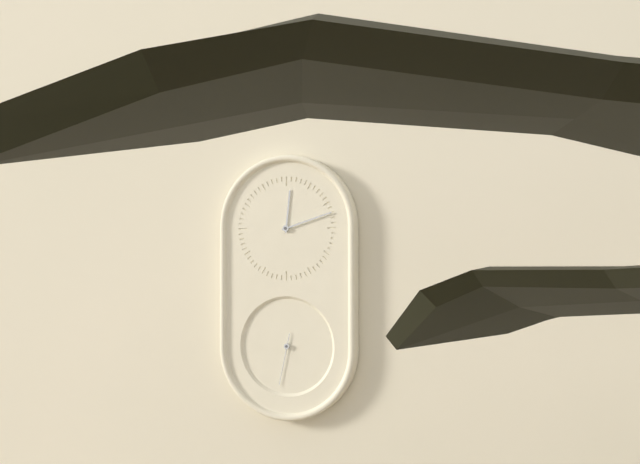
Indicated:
12.12
